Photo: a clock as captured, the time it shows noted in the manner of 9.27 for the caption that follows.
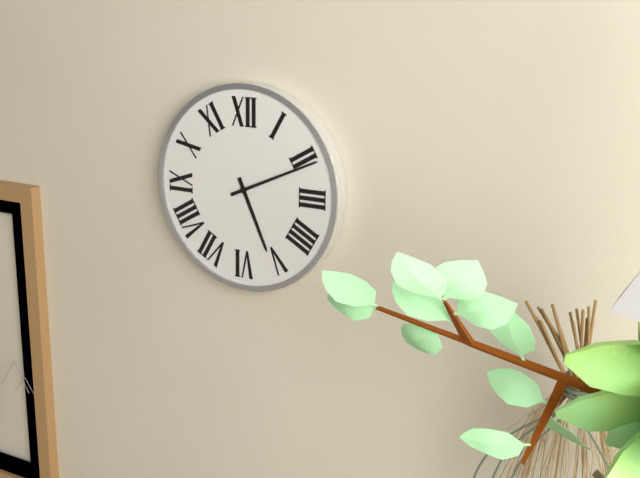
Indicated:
5.11
